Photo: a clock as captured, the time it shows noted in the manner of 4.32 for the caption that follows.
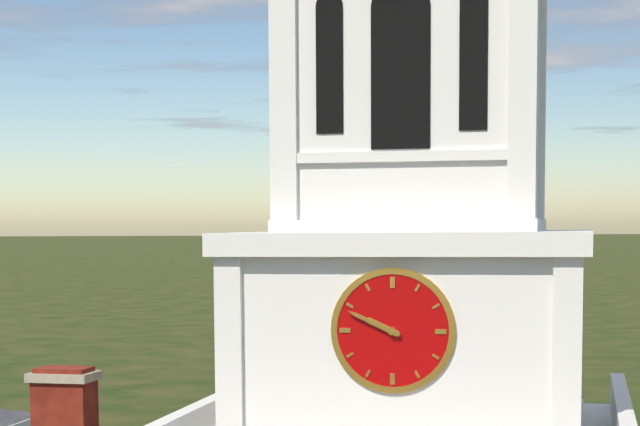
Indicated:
9.49
